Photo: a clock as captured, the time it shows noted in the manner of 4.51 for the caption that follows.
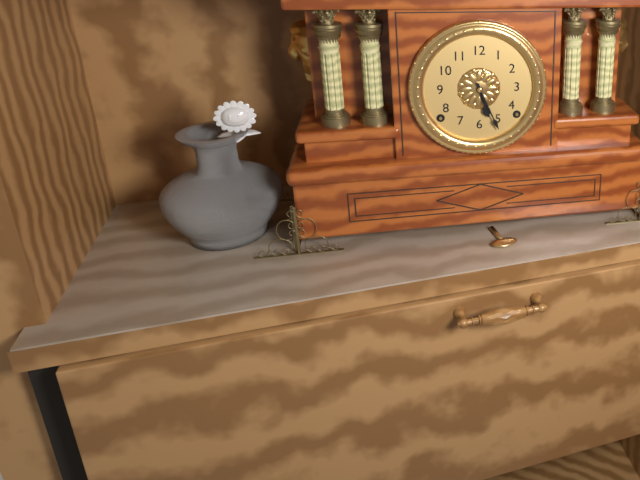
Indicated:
5.26
